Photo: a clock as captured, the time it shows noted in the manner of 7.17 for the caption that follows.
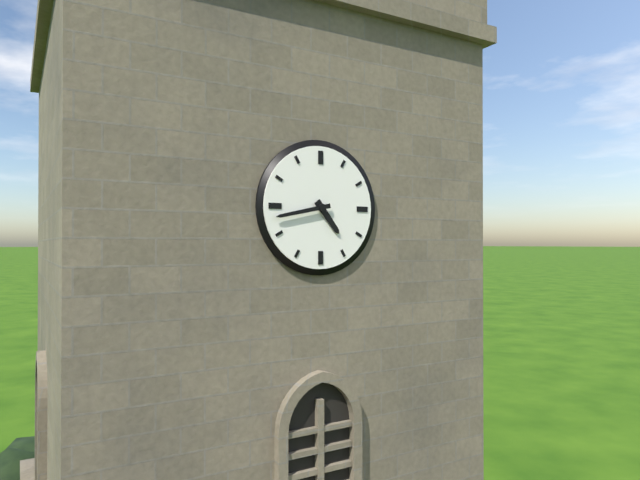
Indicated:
4.43
